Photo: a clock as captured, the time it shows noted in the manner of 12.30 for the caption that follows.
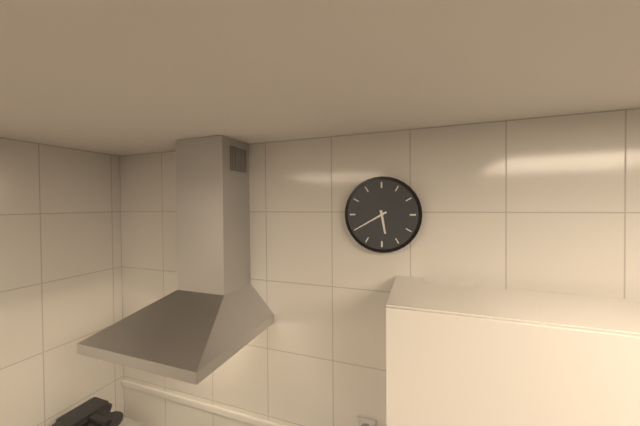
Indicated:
5.40
